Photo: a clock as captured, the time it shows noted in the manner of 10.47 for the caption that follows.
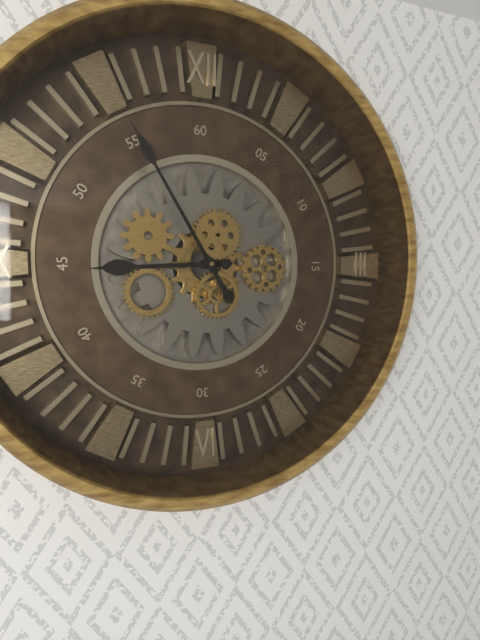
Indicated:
8.55
